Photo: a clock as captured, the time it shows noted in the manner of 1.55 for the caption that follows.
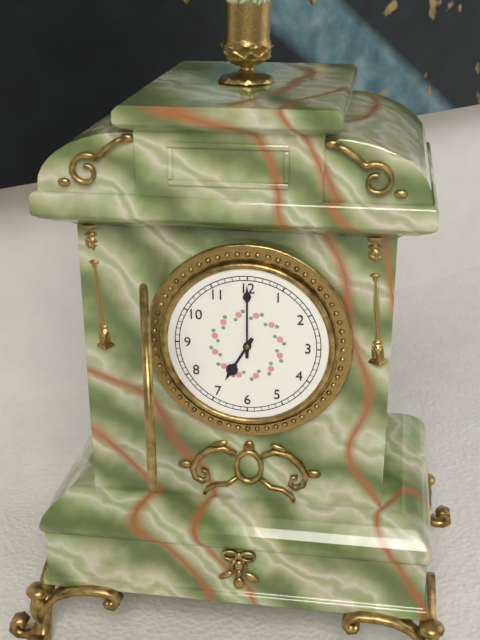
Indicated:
7.00
